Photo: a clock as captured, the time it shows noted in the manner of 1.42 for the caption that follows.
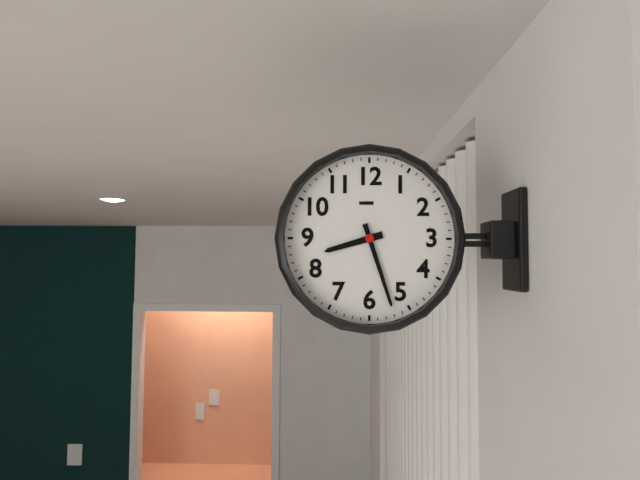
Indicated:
8.27
